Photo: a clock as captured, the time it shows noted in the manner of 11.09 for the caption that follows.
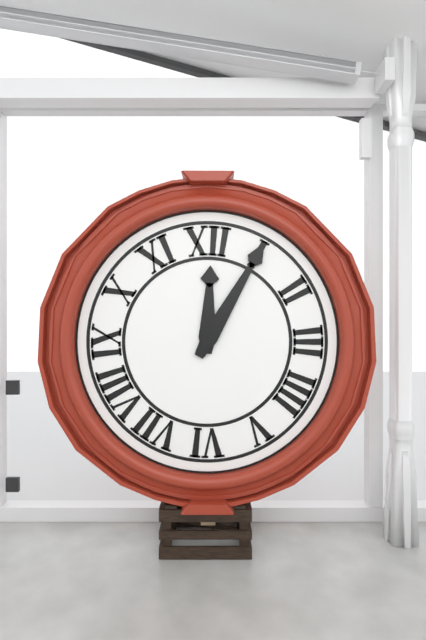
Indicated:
12.05
